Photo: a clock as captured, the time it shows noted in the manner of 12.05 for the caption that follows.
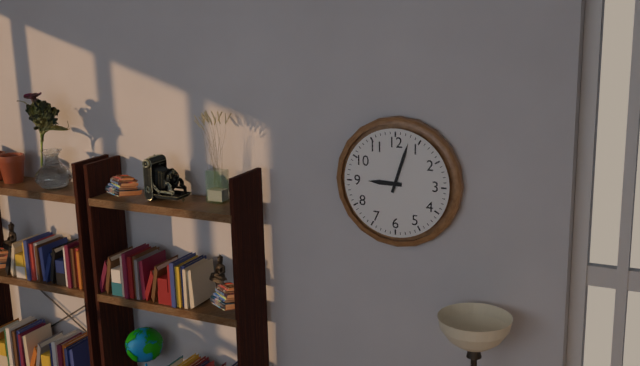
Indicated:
9.03
